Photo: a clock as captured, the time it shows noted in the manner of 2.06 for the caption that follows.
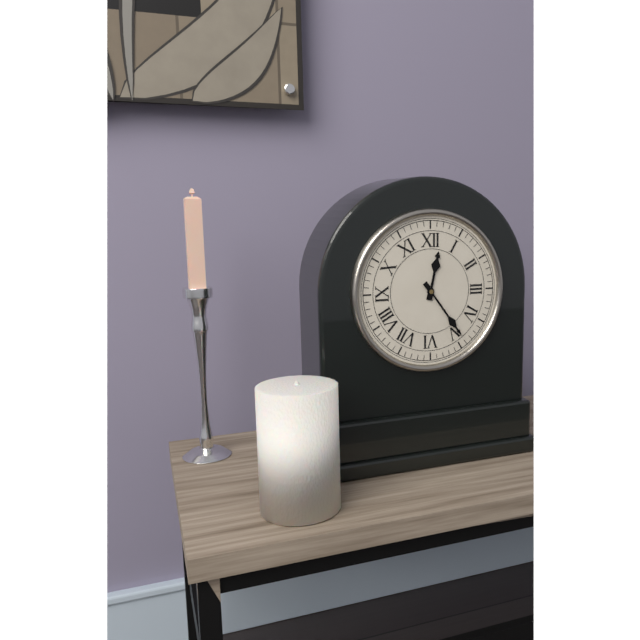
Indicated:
12.24
